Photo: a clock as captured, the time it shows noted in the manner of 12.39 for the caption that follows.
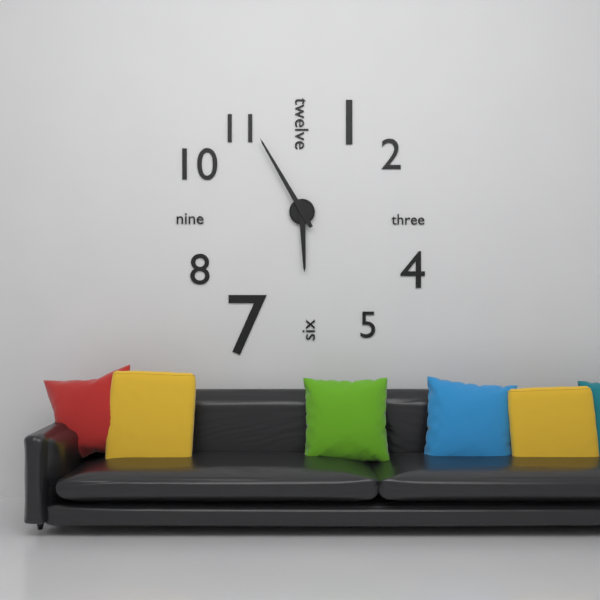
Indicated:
5.55
